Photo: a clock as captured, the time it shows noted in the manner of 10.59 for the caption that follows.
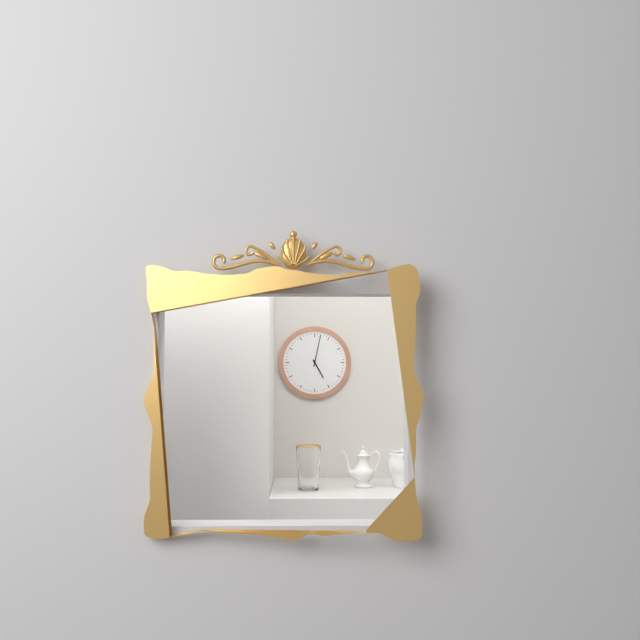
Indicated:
5.02
